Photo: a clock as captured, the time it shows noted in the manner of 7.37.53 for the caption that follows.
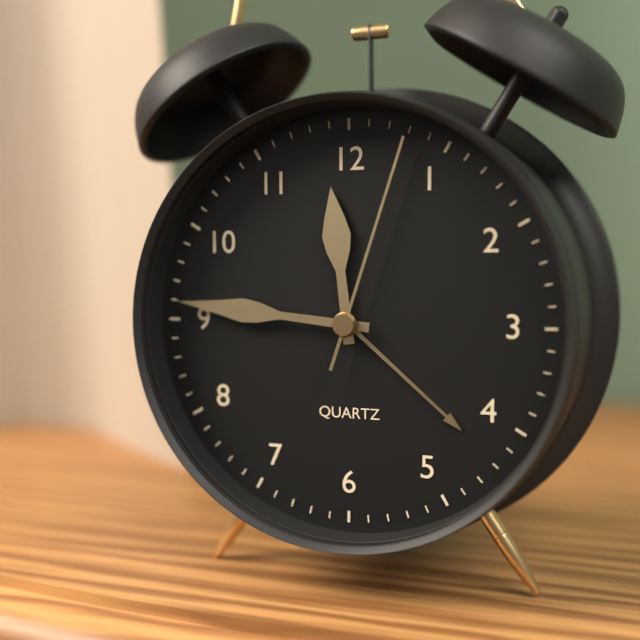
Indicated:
11.46.03
